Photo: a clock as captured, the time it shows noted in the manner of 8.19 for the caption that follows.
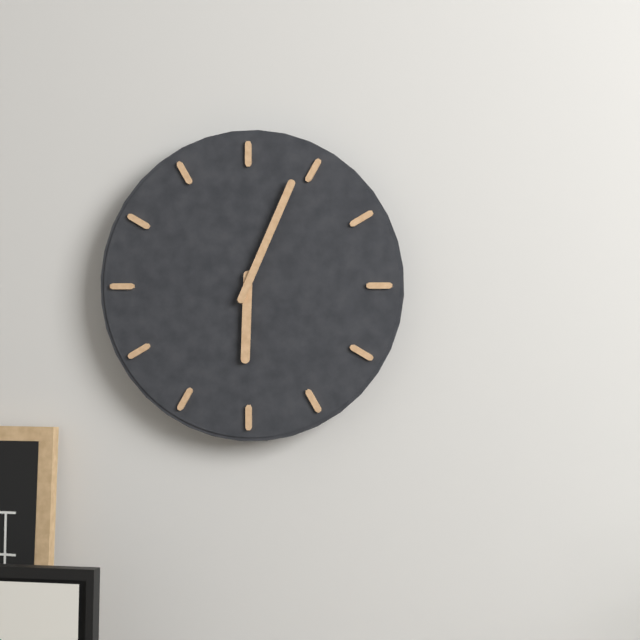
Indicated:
6.04
